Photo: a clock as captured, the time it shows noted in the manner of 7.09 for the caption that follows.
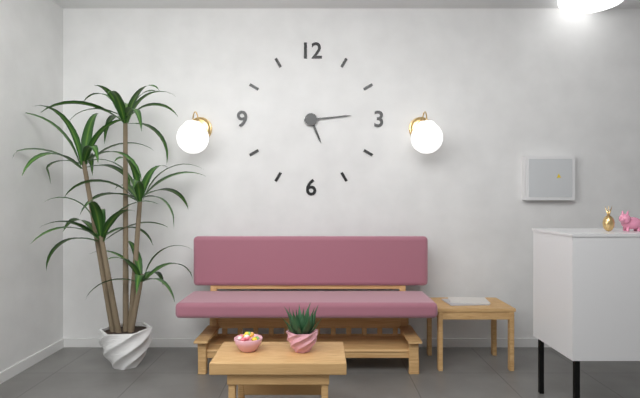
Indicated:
5.14
